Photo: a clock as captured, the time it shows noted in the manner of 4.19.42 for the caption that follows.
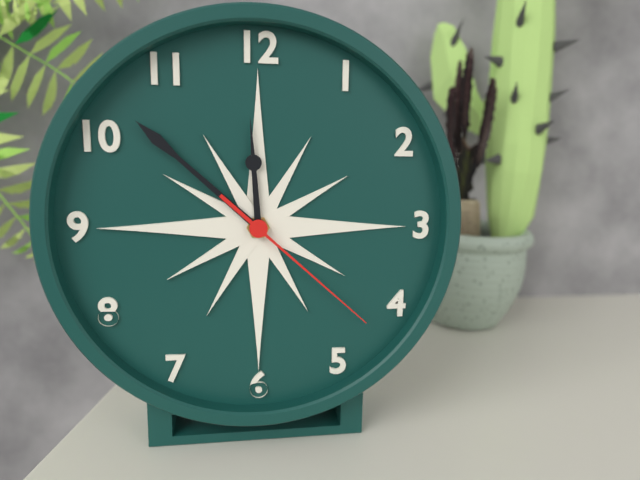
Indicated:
11.52.22
